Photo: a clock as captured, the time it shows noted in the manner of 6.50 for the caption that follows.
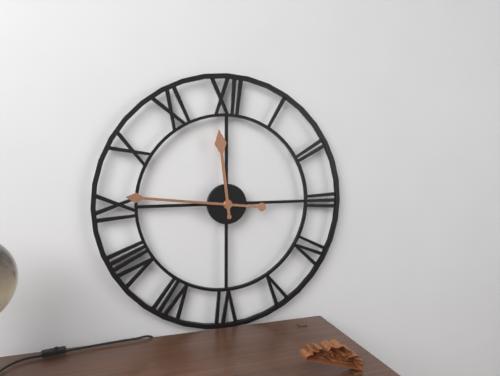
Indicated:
11.46
